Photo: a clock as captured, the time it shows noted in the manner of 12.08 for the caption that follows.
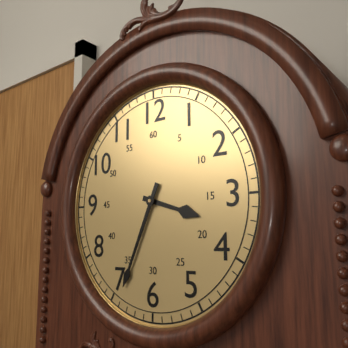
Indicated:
3.34
